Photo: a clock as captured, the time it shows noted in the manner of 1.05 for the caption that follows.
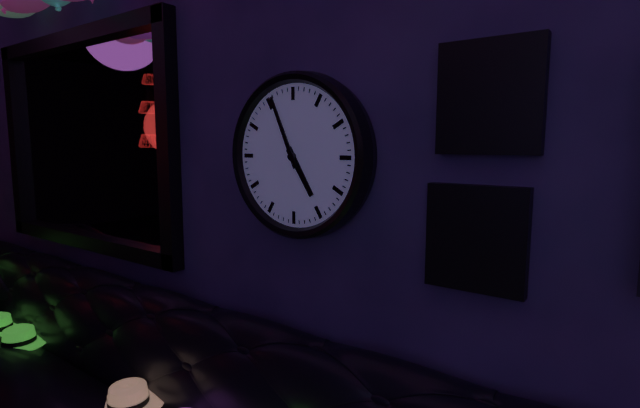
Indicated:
4.56
